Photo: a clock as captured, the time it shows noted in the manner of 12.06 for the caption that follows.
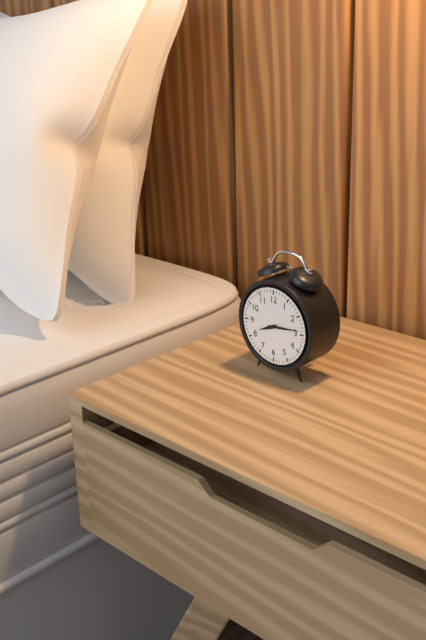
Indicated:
8.14
